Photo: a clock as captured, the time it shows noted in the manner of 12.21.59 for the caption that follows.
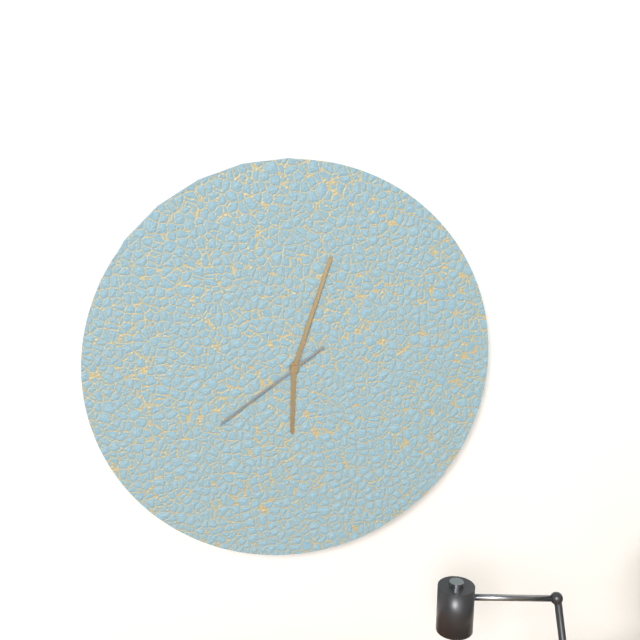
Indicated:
6.03.39
